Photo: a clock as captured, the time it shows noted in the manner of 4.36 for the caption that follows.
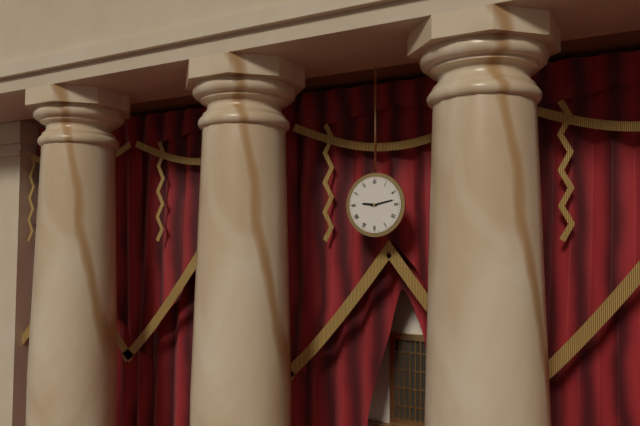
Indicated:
9.13
